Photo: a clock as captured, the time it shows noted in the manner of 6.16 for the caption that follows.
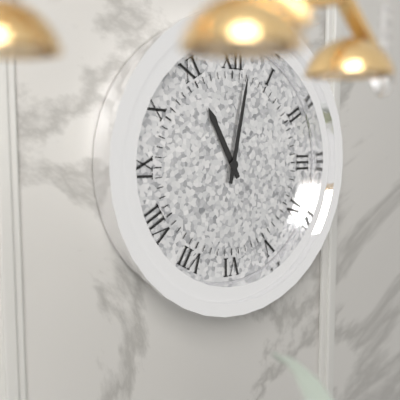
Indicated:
11.02
